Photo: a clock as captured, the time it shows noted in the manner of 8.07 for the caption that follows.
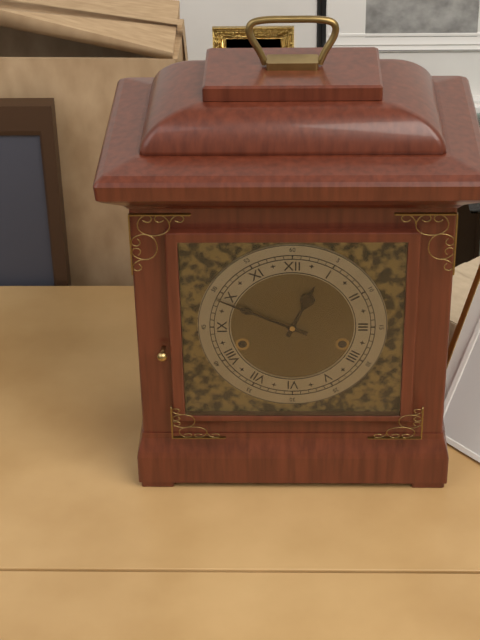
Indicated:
12.49
